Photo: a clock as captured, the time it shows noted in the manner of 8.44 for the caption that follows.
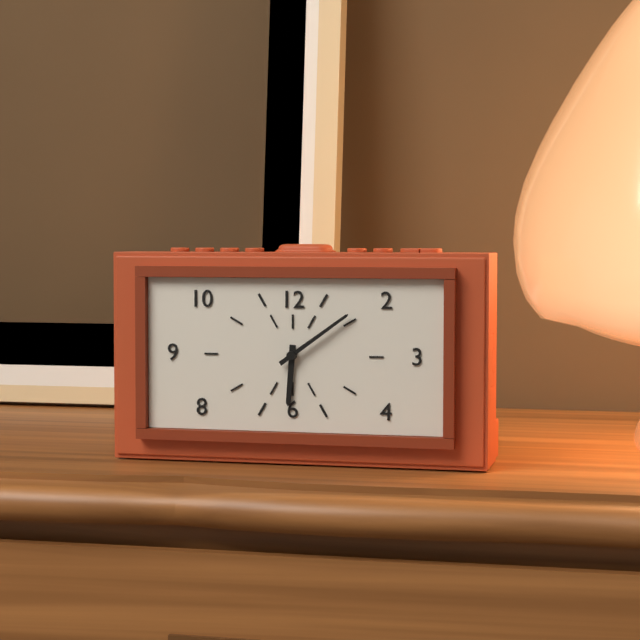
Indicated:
6.09
